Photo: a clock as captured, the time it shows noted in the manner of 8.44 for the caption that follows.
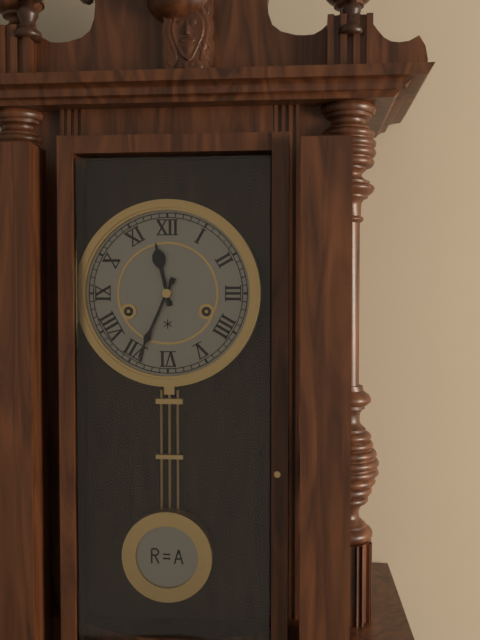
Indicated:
11.34
